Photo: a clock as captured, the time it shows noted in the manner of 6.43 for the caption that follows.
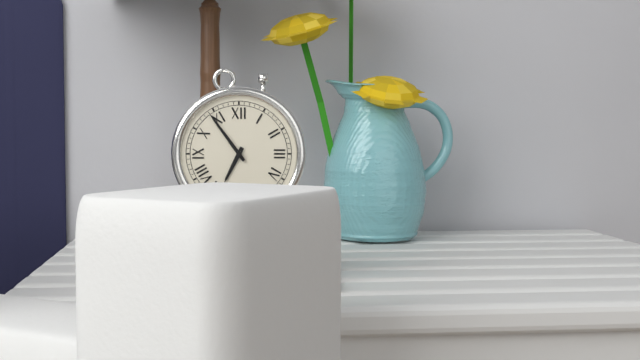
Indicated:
6.54
